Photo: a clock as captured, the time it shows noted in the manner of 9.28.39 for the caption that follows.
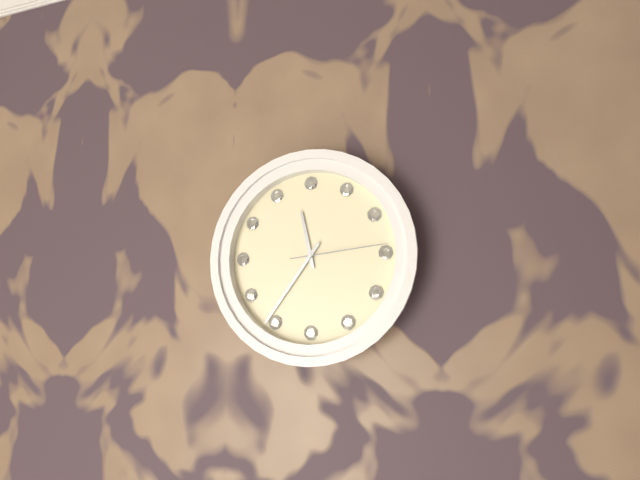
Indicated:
11.36.14
